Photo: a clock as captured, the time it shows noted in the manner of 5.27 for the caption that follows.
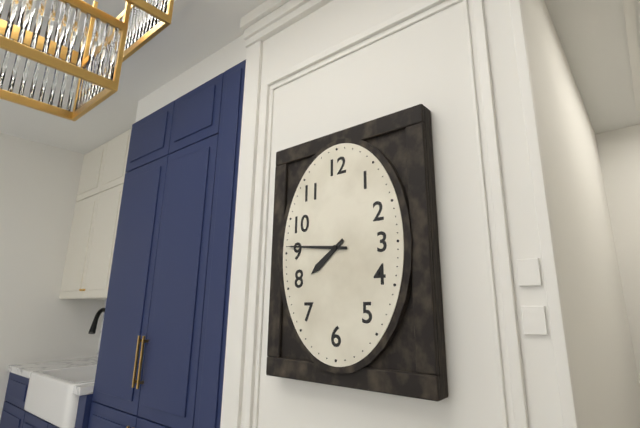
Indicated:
7.46
